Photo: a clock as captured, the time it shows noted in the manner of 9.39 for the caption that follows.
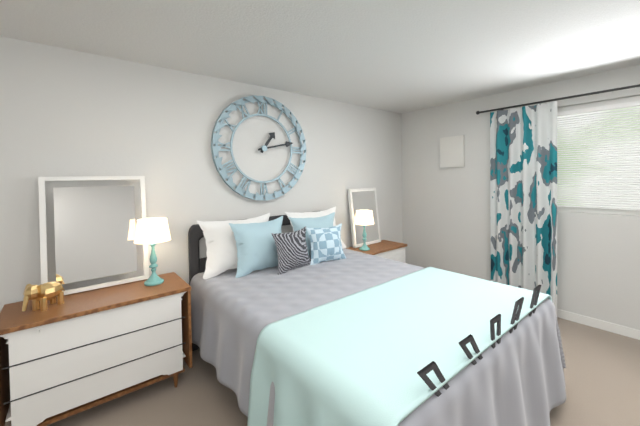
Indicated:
1.13
